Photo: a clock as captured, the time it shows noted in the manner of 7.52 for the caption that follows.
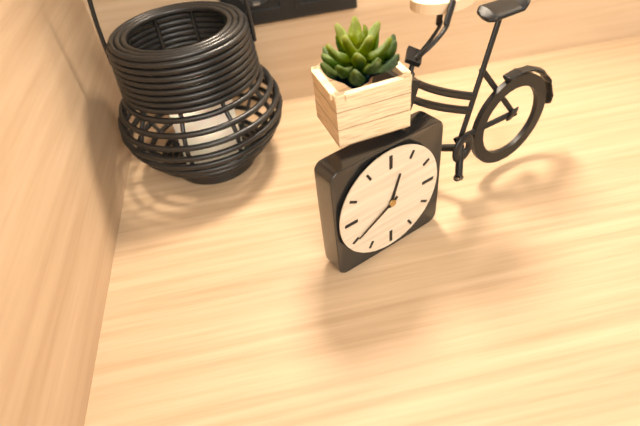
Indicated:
12.40
